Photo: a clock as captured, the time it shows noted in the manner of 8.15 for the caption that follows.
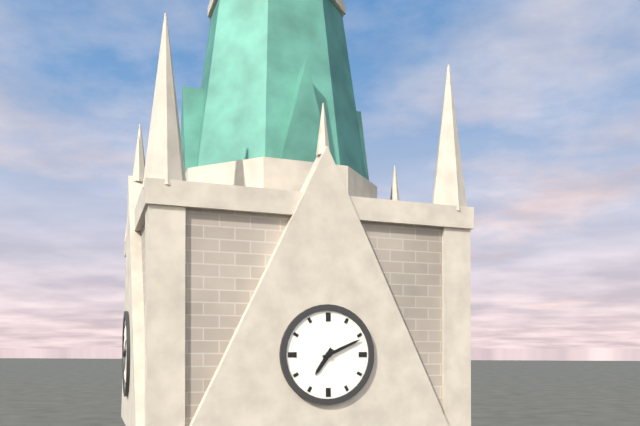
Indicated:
7.11
